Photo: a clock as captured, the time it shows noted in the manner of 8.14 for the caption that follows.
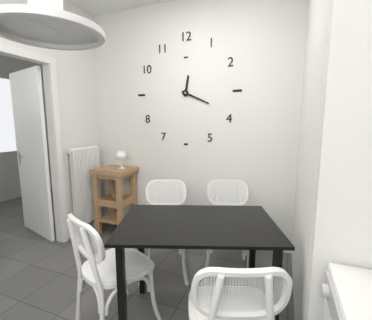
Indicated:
12.19
